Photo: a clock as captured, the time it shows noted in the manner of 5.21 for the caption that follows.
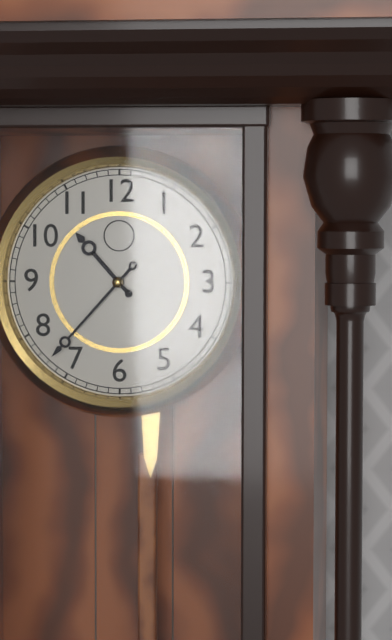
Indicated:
10.37
